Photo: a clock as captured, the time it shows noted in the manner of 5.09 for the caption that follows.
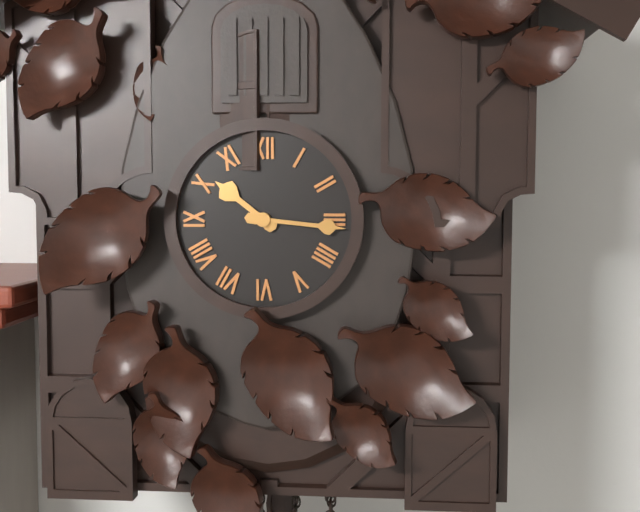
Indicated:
10.16
